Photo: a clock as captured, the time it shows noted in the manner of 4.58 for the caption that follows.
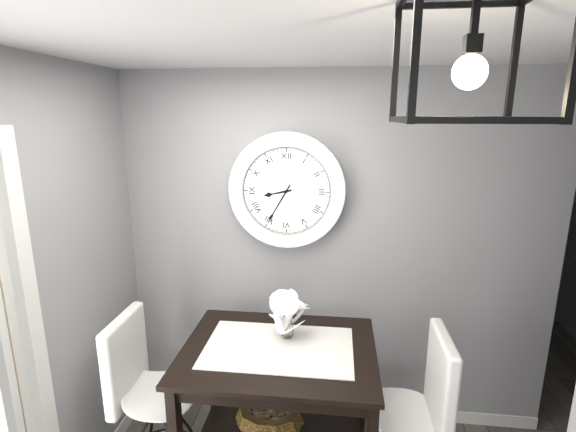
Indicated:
8.35
